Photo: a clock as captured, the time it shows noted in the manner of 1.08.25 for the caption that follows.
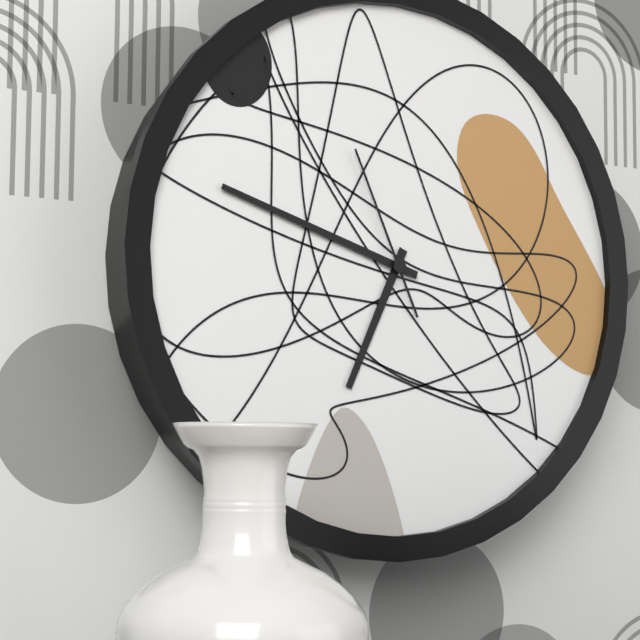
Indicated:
6.48.56
